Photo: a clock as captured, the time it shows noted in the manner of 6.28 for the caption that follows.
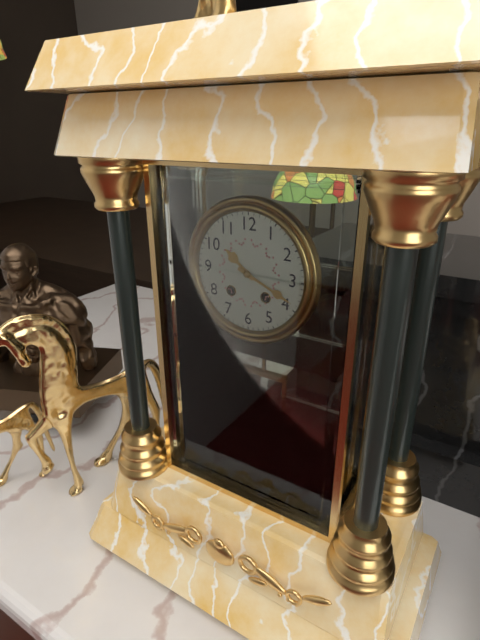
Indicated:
10.19
